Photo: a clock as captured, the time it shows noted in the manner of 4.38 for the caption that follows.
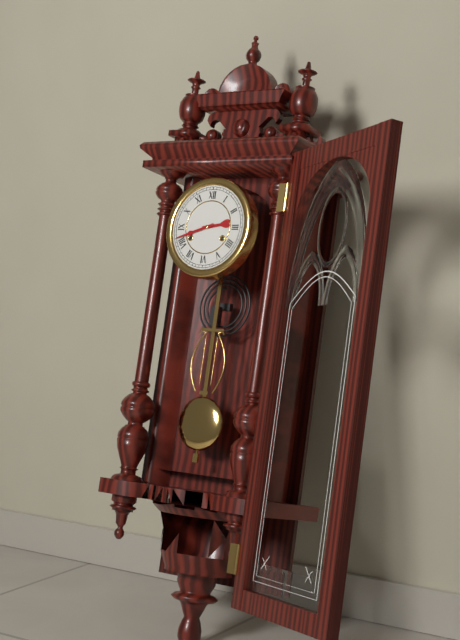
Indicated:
2.42
